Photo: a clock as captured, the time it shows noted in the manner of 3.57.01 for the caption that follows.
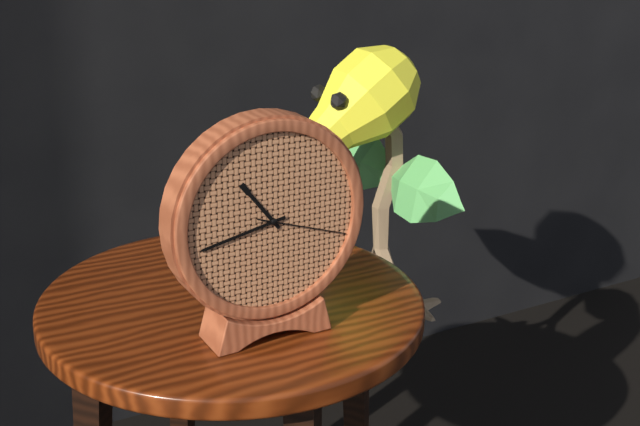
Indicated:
10.43.18
